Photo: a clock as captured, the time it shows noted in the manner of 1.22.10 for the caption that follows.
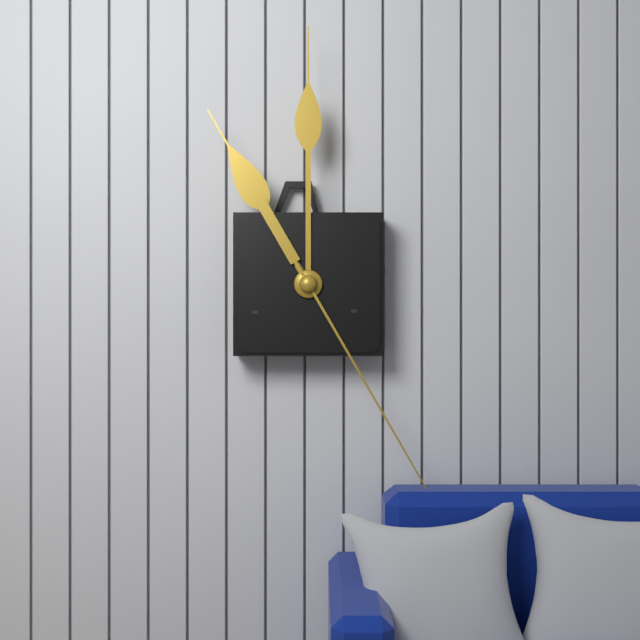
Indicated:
11.00.25
